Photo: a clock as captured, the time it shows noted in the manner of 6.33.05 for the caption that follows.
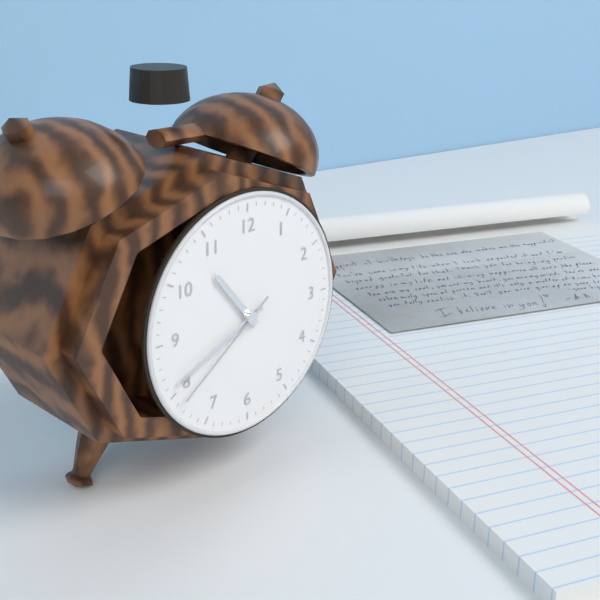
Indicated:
10.41.39
